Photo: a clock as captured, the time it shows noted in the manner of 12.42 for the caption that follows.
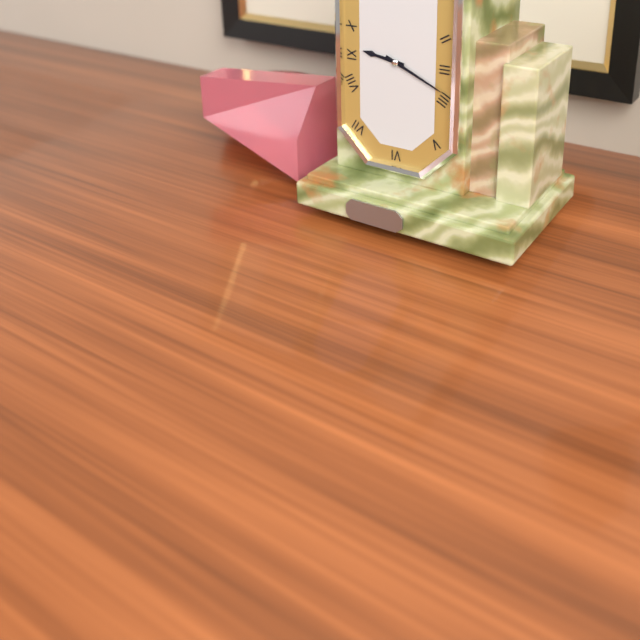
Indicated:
9.19
